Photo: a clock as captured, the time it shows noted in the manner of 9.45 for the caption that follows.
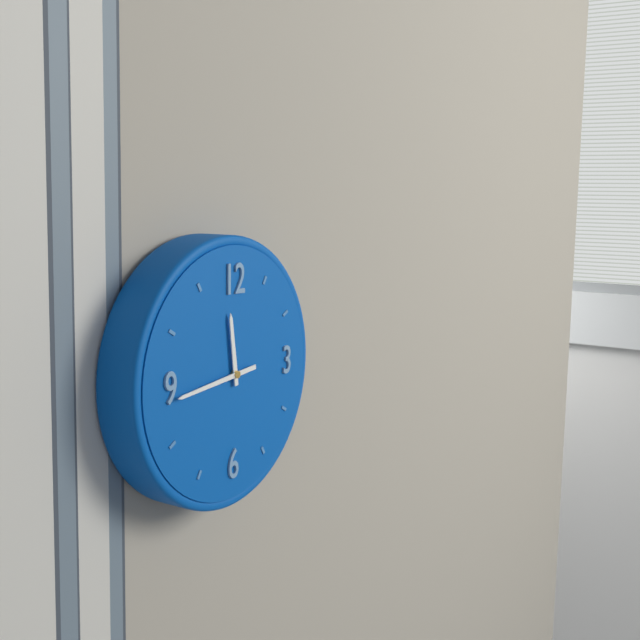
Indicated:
11.44
